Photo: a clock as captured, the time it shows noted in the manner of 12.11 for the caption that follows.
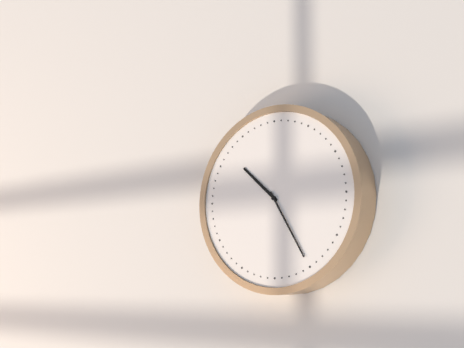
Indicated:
10.25
